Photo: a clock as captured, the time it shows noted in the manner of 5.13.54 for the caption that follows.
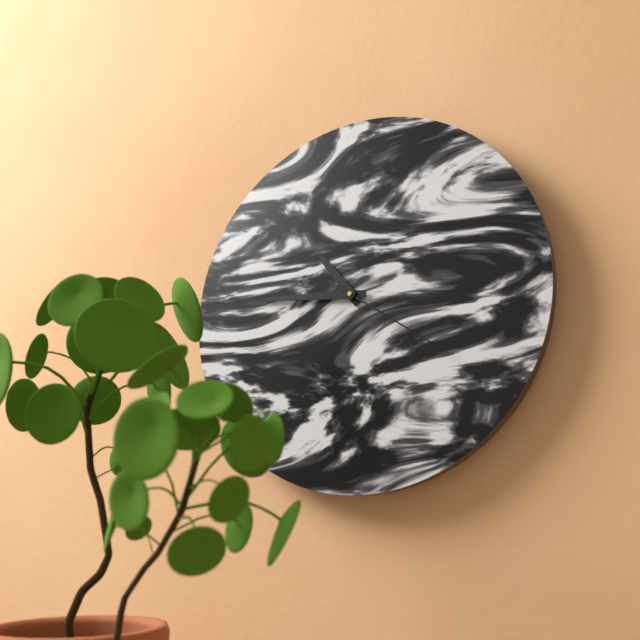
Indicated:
10.46.21
